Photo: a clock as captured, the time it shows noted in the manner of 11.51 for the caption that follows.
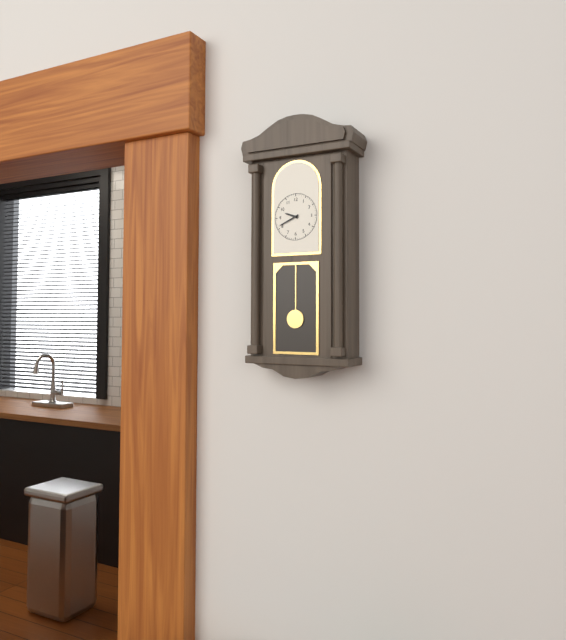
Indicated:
9.41
